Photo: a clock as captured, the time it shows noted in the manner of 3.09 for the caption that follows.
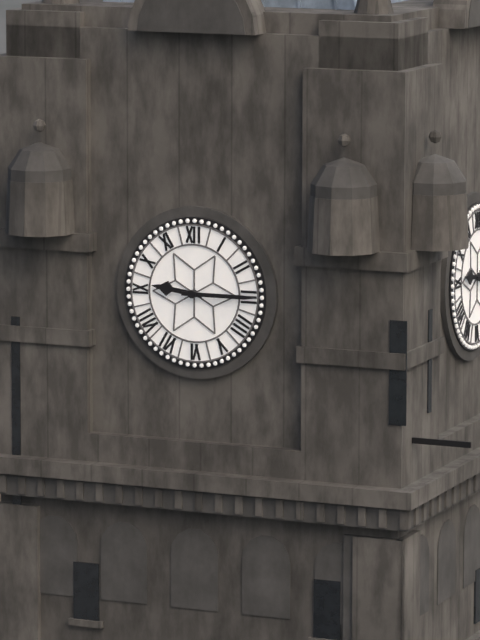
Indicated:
9.15
